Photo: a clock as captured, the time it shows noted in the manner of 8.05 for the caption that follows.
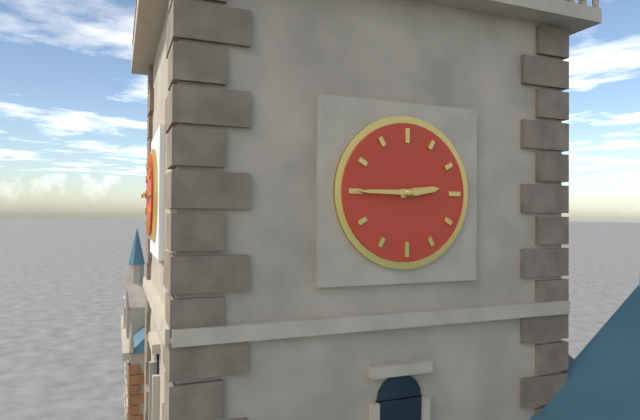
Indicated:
2.45
